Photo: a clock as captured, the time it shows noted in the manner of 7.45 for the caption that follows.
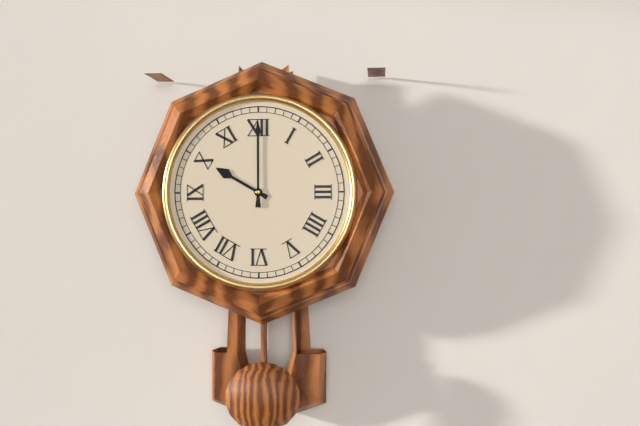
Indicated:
10.00
